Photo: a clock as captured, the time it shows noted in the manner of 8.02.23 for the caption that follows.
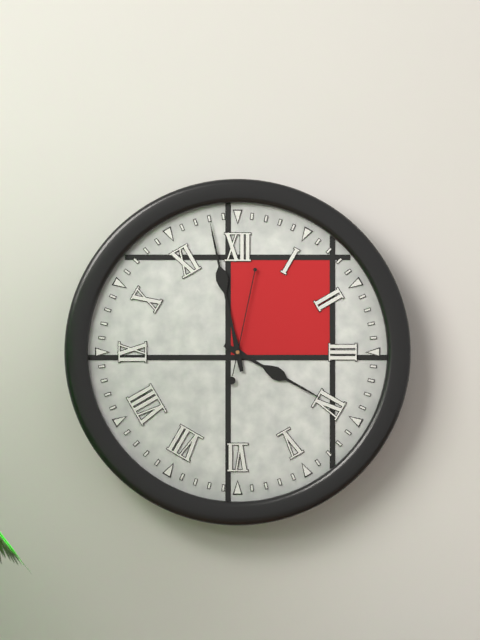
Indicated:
3.58.02
